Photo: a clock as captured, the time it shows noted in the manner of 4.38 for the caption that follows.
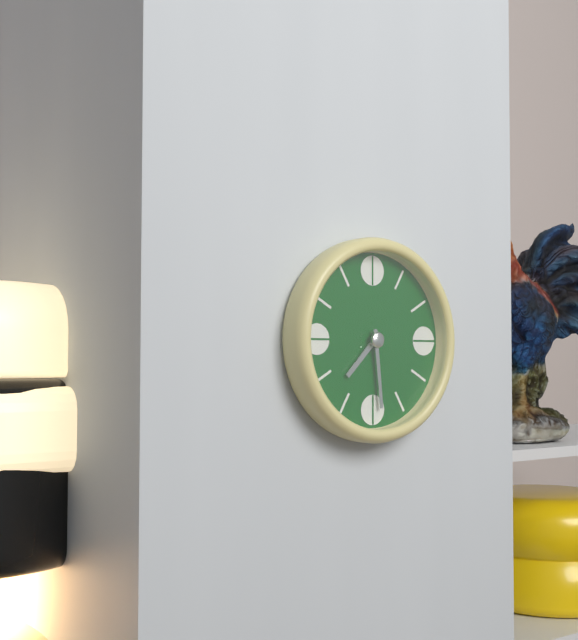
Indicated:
7.29
